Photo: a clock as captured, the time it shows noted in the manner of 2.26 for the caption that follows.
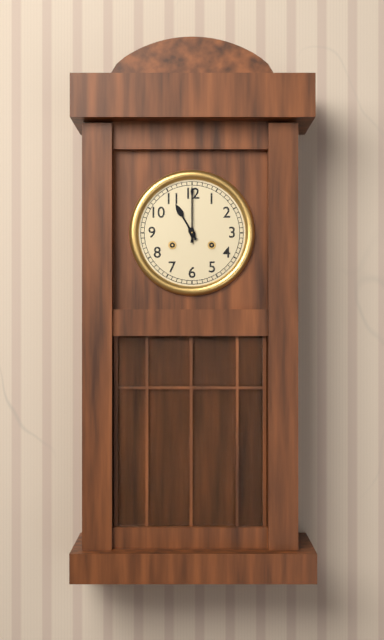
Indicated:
11.00
